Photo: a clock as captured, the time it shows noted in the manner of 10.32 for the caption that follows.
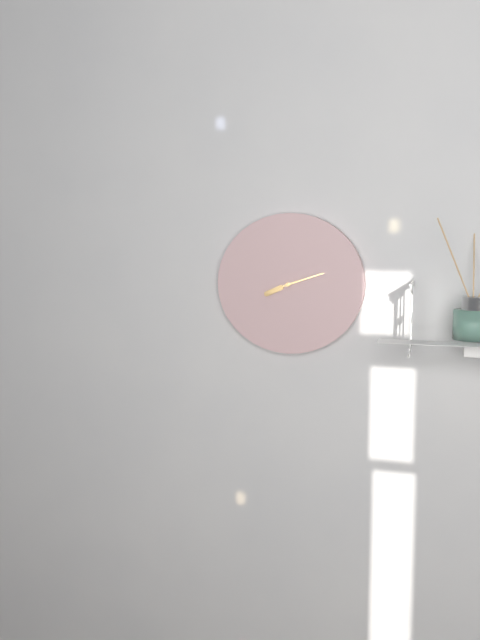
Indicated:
8.12
